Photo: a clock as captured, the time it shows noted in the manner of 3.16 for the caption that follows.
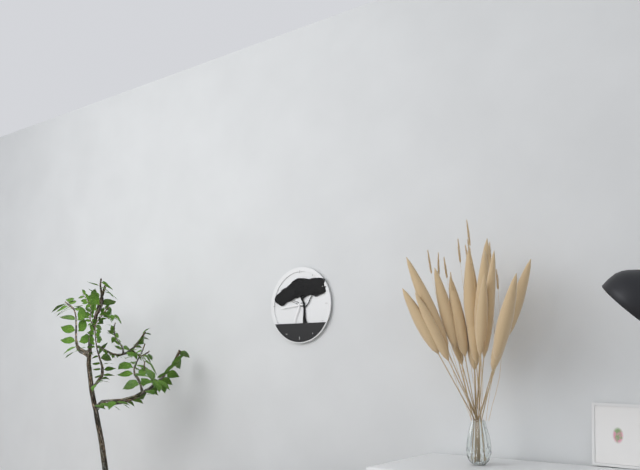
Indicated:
6.44
